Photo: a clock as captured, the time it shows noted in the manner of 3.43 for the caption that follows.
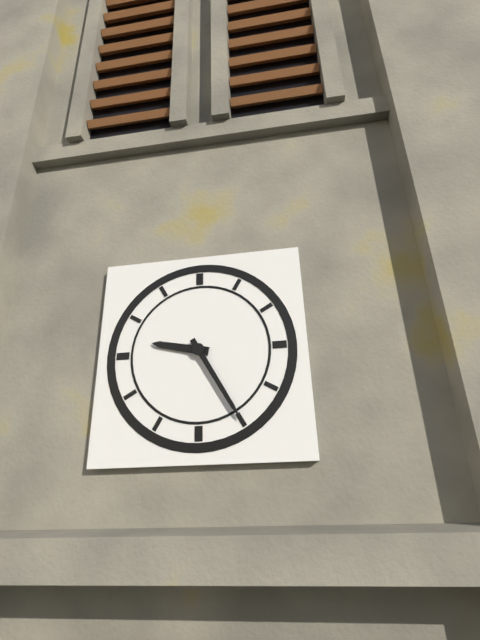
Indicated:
9.25
